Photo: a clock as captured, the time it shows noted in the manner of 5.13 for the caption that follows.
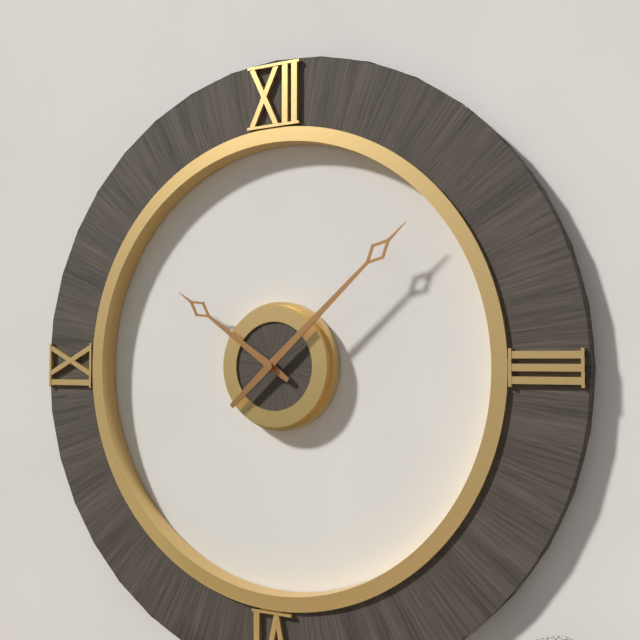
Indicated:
10.08
